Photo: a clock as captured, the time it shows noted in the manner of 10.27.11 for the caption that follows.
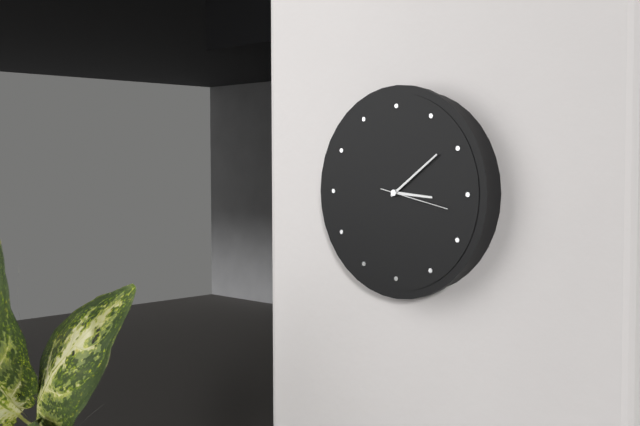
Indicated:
3.09.17
